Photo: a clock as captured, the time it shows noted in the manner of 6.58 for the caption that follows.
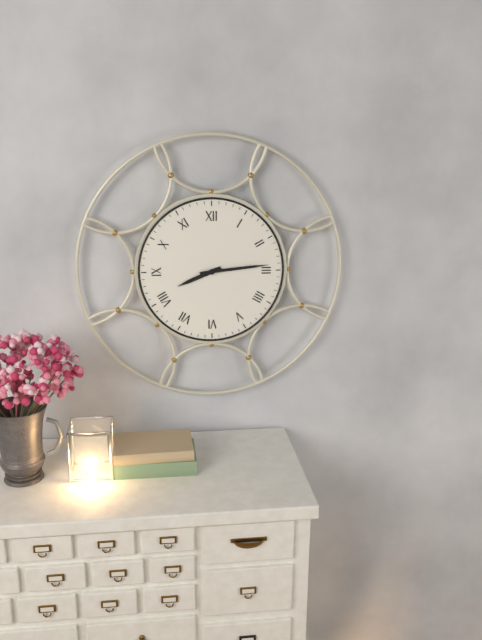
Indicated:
8.14
